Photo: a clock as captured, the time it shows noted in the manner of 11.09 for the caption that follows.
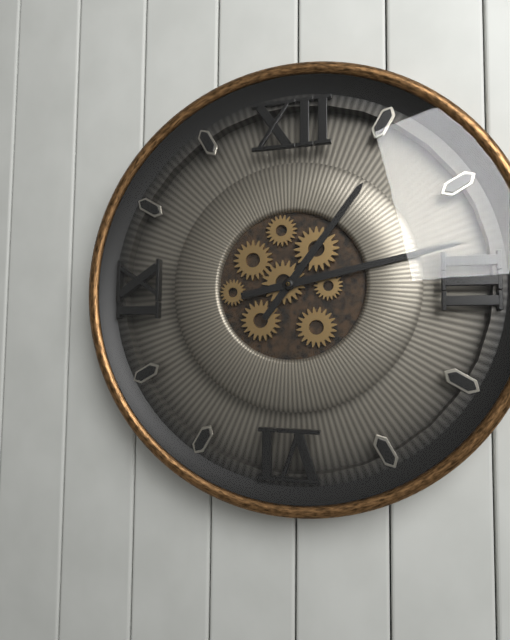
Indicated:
1.13
